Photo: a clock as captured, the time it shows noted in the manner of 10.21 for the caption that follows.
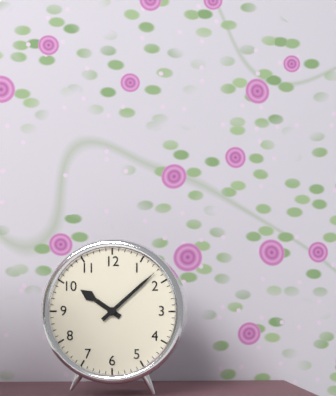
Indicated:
10.08
